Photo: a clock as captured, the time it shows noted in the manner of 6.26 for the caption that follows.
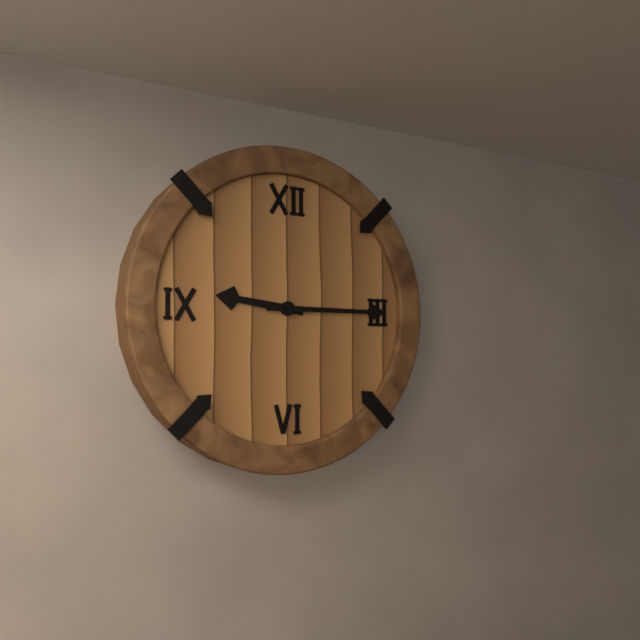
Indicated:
9.15
